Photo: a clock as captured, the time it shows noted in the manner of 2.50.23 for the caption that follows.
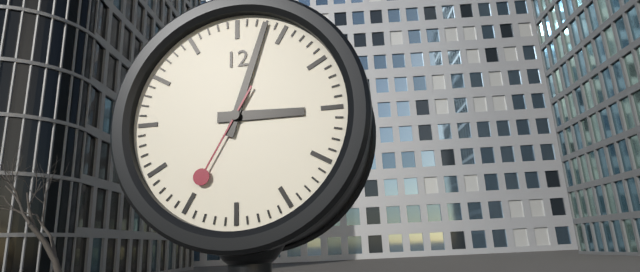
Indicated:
3.03.35
